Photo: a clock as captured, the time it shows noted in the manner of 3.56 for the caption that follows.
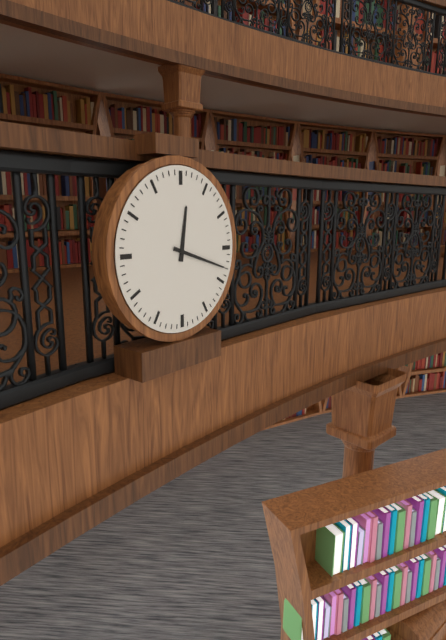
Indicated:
12.18
